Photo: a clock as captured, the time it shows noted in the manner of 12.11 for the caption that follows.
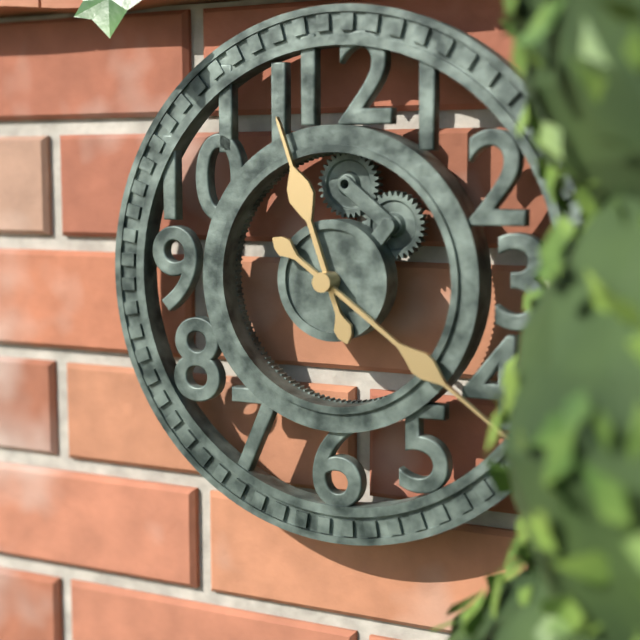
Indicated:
11.21
